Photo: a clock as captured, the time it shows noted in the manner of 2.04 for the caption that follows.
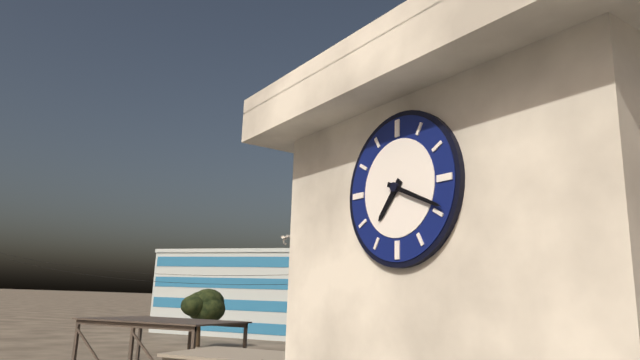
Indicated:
7.19
